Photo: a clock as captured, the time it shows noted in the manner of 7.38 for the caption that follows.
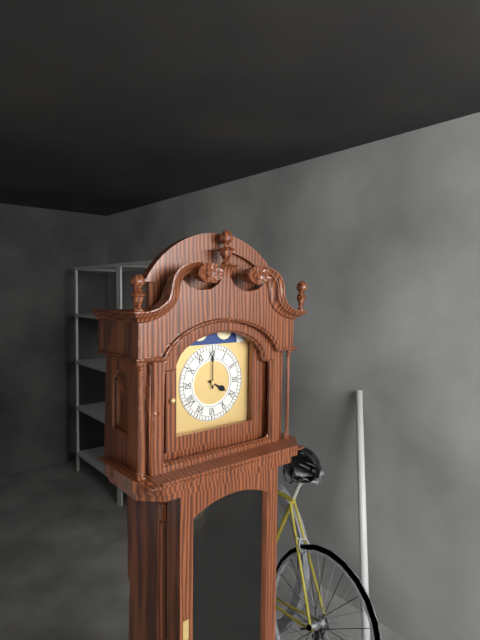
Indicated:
4.00
